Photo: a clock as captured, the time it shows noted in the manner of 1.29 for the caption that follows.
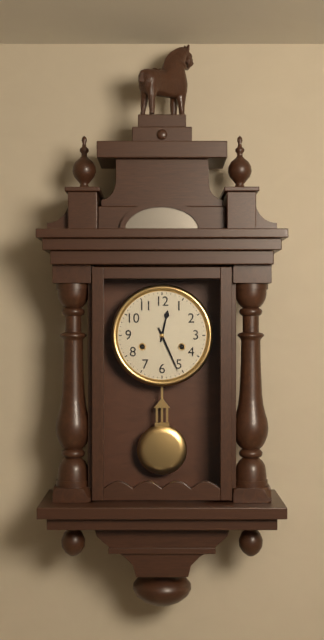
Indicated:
12.26
